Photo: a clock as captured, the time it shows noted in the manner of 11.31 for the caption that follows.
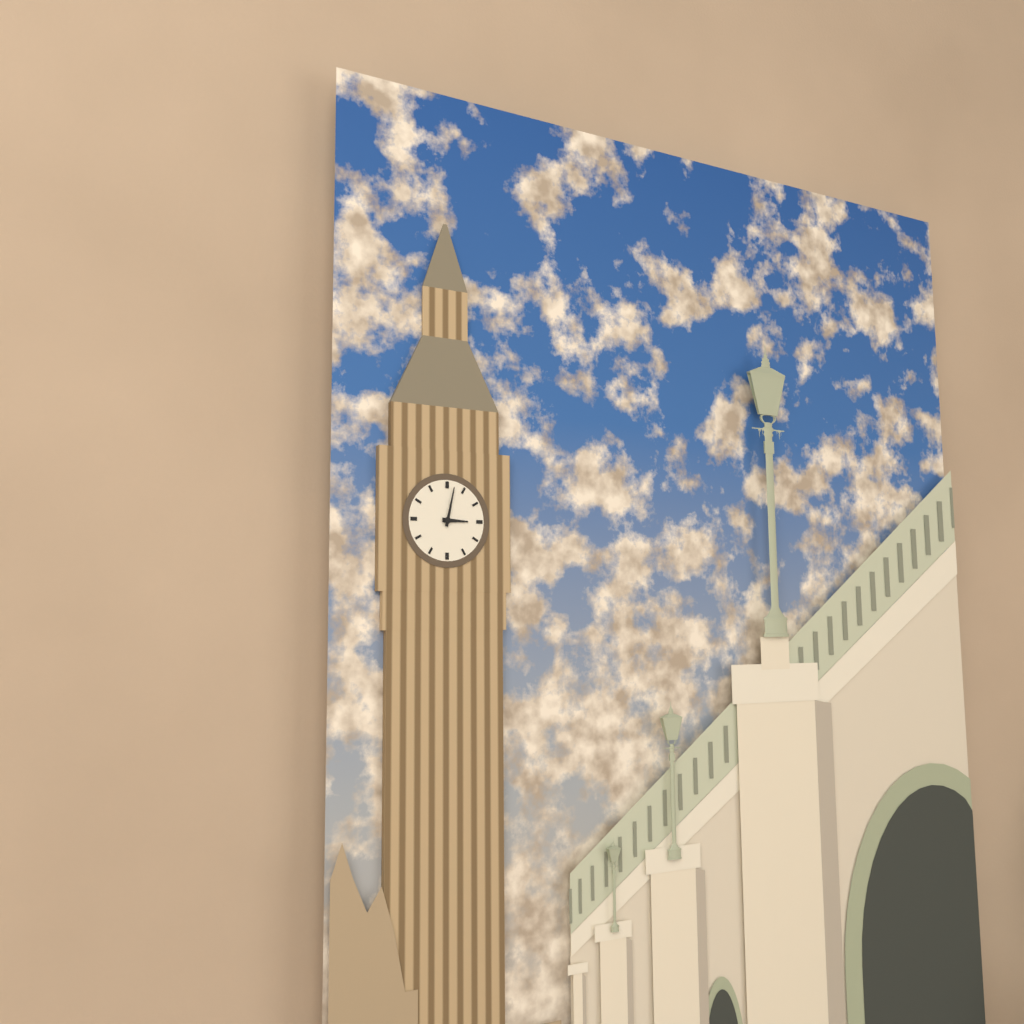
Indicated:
3.02
